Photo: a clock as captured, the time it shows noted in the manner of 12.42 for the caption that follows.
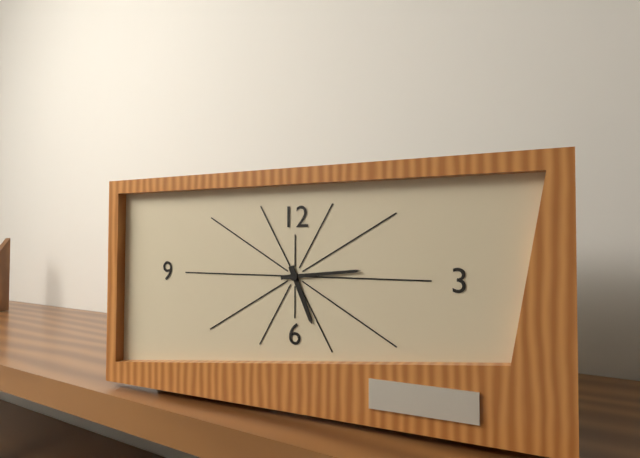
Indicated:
5.14
